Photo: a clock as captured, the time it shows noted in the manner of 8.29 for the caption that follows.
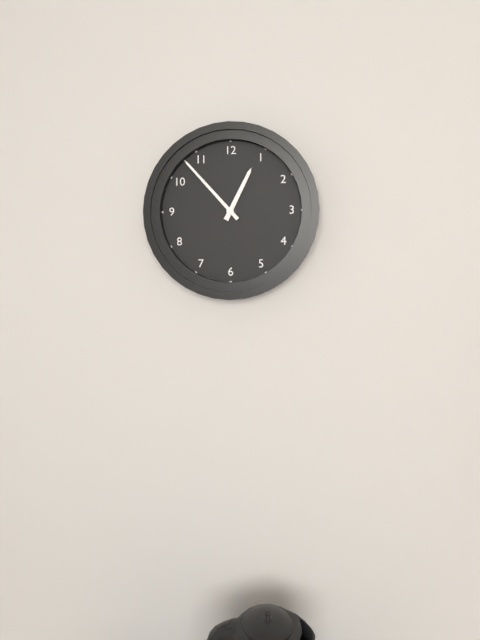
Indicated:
12.53
